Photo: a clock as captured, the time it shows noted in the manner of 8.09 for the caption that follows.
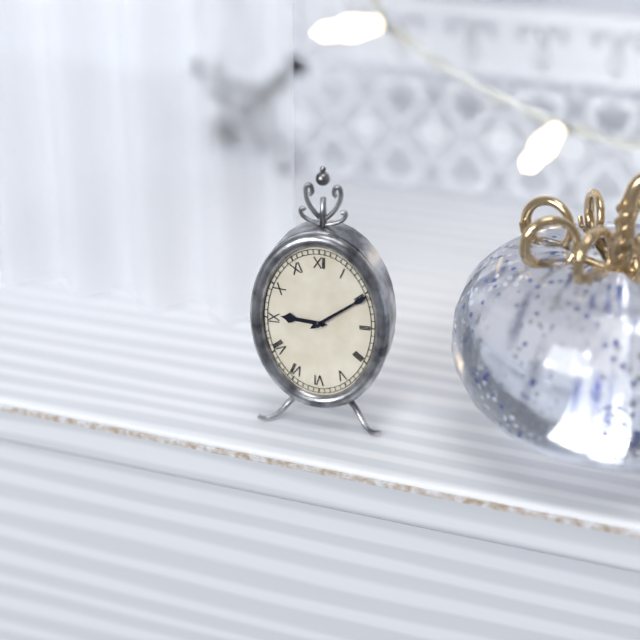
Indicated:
9.09
